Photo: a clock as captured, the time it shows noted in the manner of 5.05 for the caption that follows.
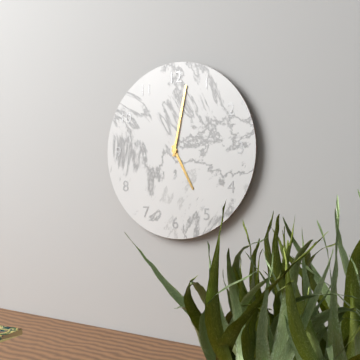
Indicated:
5.02
